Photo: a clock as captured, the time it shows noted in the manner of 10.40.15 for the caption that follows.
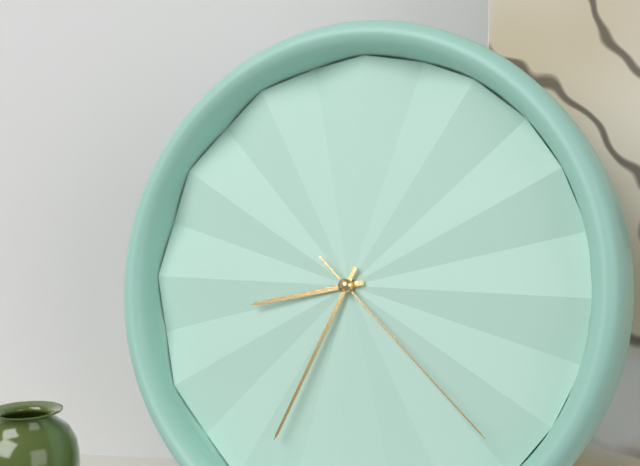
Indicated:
8.34.22
